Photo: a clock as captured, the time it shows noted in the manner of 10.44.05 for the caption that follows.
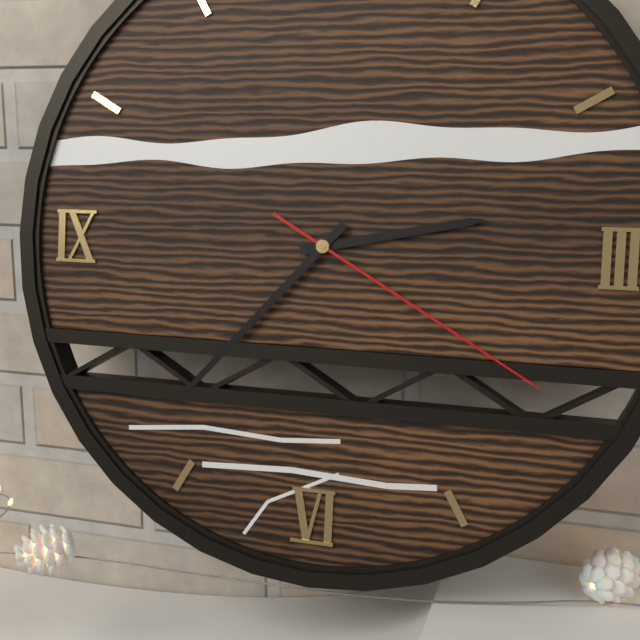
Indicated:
2.37.20
